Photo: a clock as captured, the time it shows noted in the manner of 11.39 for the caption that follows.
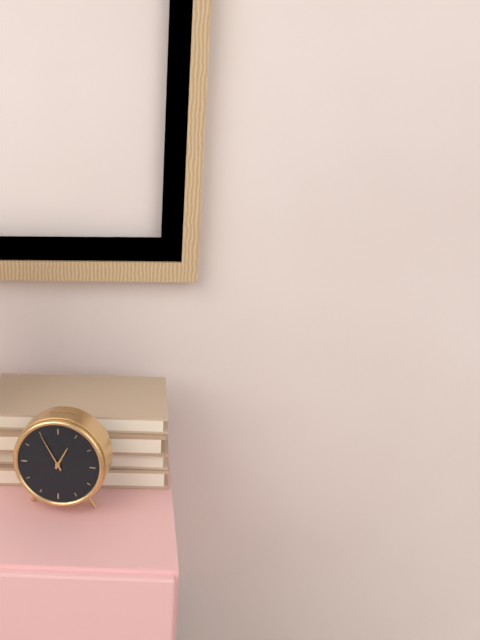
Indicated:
12.55
